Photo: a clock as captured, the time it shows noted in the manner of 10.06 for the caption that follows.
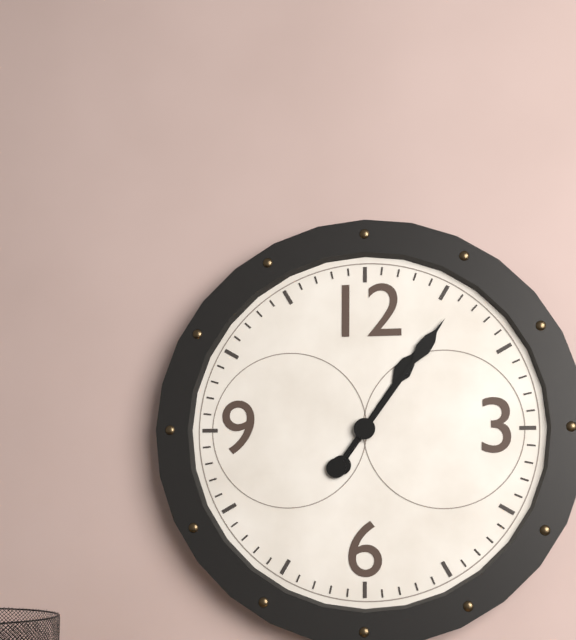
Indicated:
1.06
